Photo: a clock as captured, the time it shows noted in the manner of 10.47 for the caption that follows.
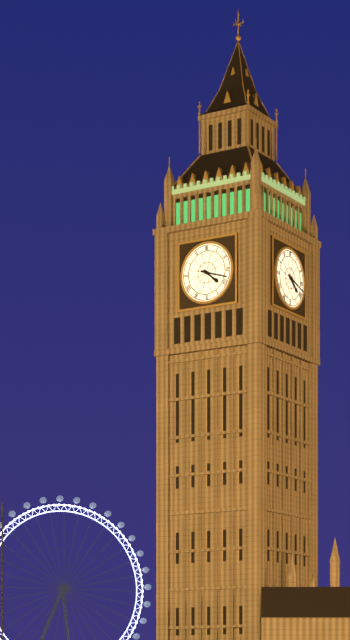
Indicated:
4.18
